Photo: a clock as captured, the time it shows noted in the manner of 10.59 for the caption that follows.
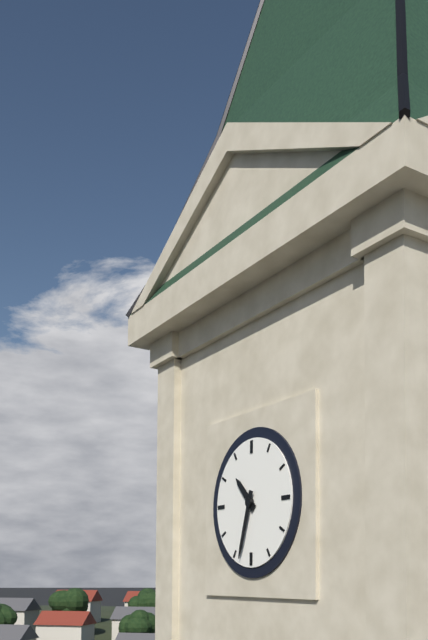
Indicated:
10.33
